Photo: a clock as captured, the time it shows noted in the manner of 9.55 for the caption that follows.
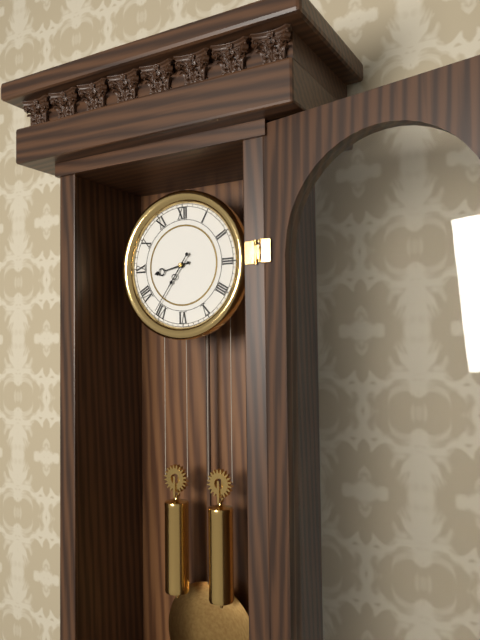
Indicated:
8.36
